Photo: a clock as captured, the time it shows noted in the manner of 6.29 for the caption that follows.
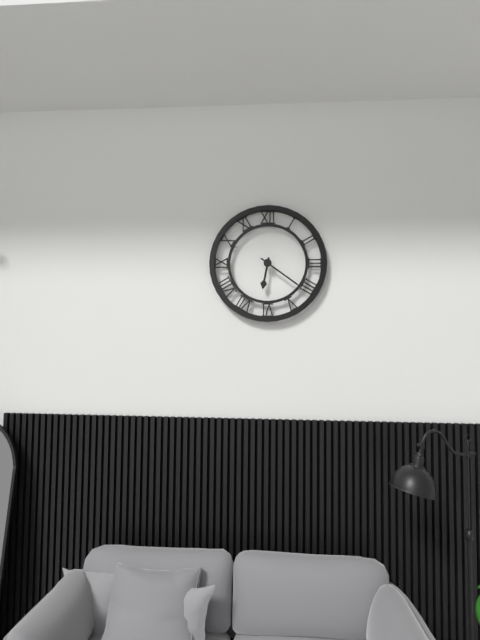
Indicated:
6.21
